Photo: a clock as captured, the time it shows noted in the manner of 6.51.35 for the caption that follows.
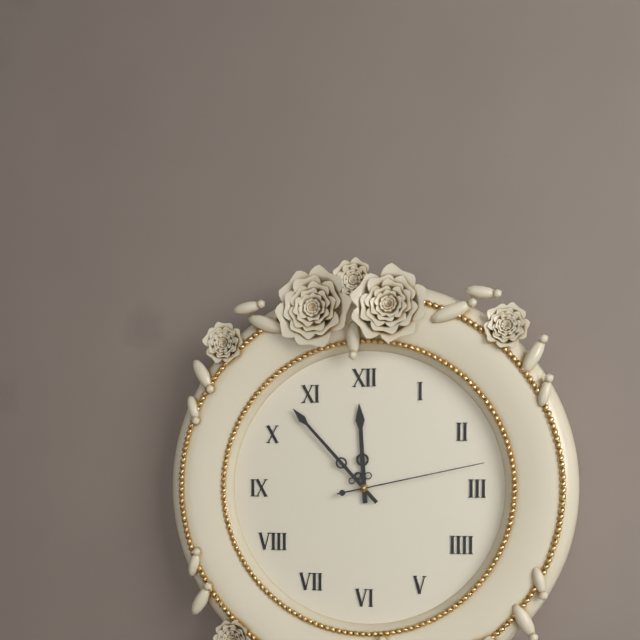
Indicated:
11.53.13
